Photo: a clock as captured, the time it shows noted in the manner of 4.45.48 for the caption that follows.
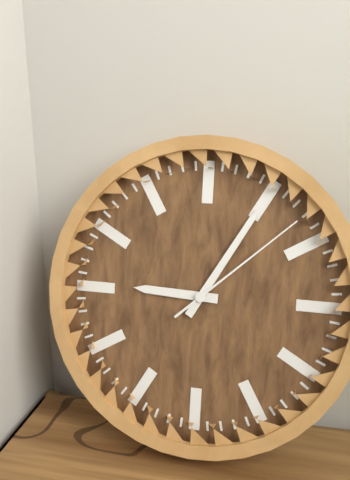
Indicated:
9.05.08
